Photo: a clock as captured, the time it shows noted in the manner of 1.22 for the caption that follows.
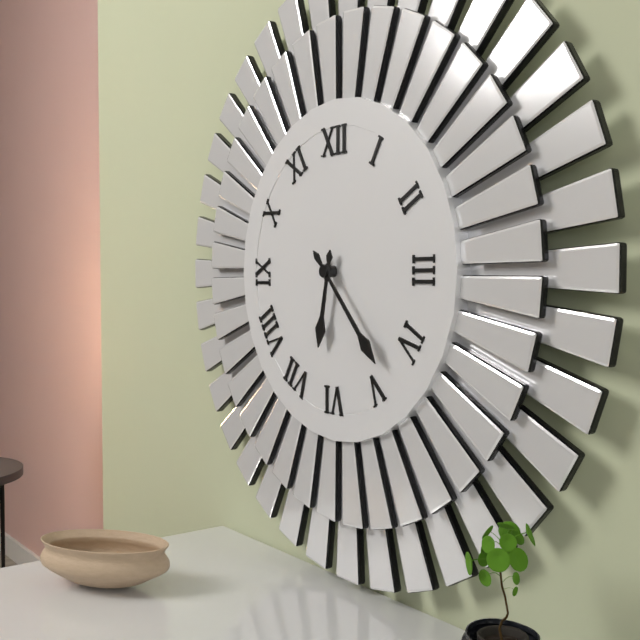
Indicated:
6.23
